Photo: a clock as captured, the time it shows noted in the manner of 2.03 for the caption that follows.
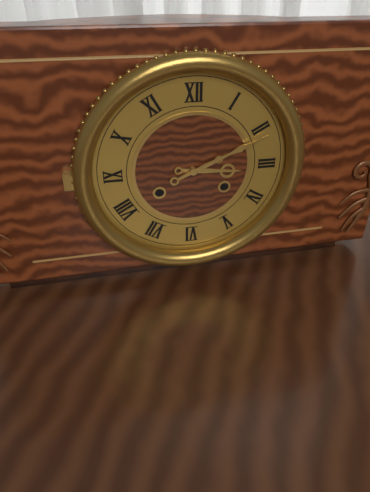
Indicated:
3.11
